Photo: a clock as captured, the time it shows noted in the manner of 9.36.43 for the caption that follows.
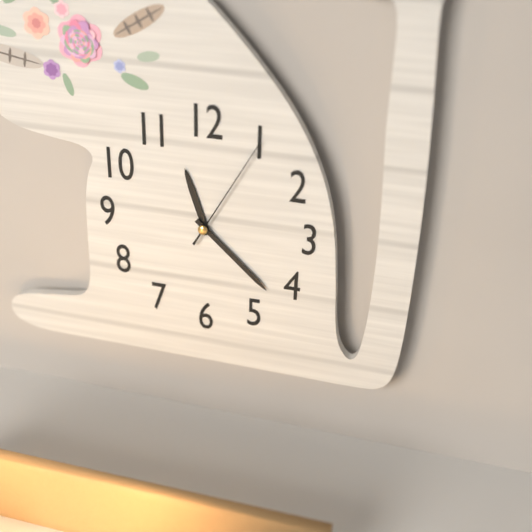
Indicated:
11.22.05
